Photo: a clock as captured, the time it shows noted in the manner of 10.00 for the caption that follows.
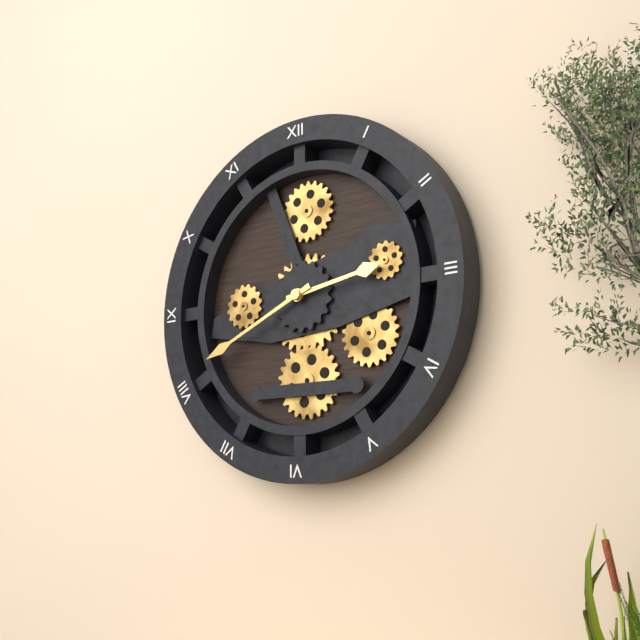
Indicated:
2.41
